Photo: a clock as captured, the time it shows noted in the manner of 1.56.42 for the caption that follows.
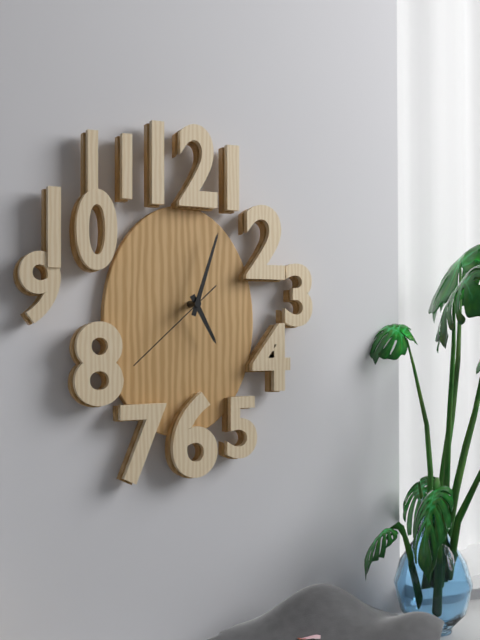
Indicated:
5.03.38
